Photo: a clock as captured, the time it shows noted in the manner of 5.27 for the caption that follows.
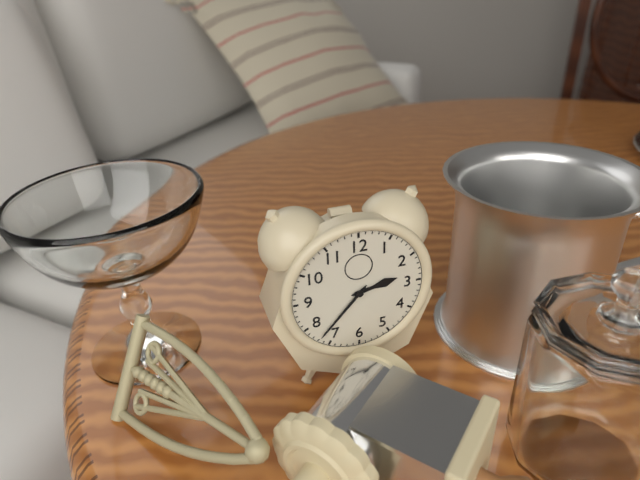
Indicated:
2.37
